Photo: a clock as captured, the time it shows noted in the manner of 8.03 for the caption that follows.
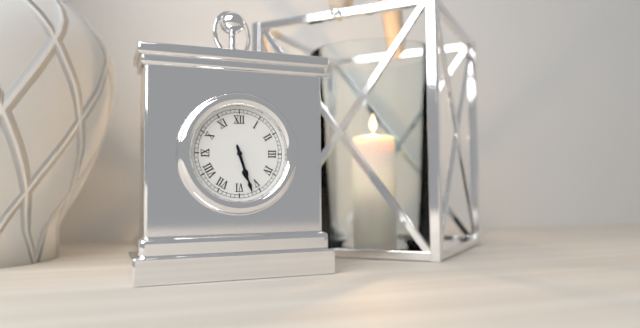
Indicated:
5.27
